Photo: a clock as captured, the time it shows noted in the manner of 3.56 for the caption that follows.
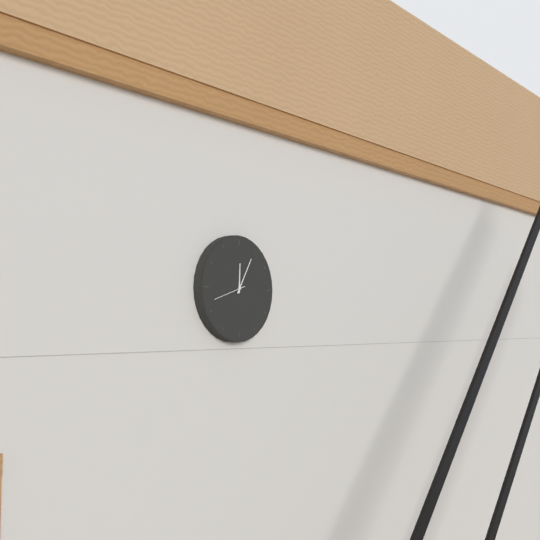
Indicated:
12.05
